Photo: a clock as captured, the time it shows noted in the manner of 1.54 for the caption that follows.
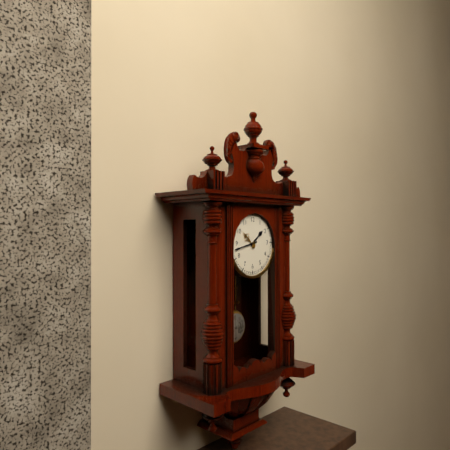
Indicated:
1.43
